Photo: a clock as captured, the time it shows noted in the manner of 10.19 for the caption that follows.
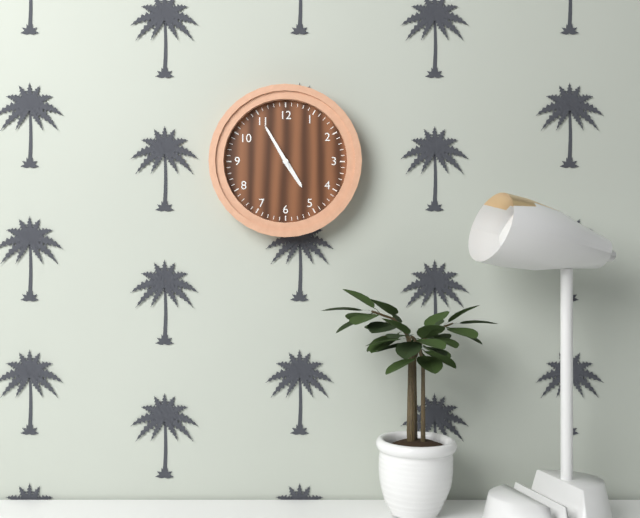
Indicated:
4.55
